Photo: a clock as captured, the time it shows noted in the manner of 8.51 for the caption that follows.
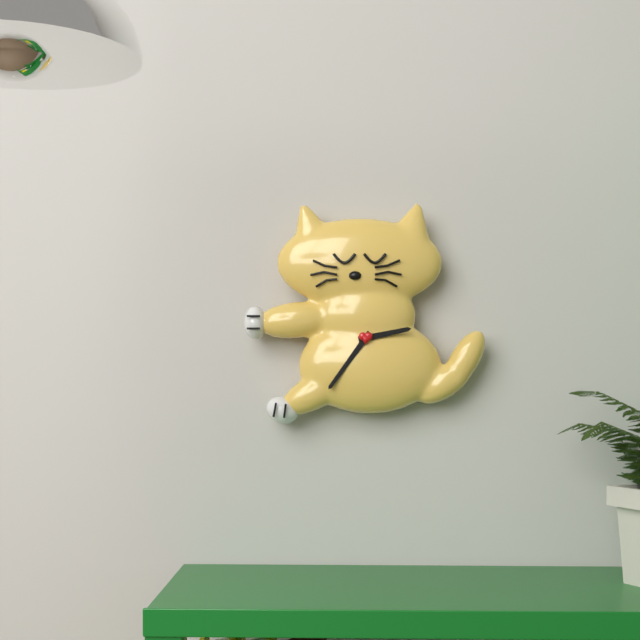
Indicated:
2.36
